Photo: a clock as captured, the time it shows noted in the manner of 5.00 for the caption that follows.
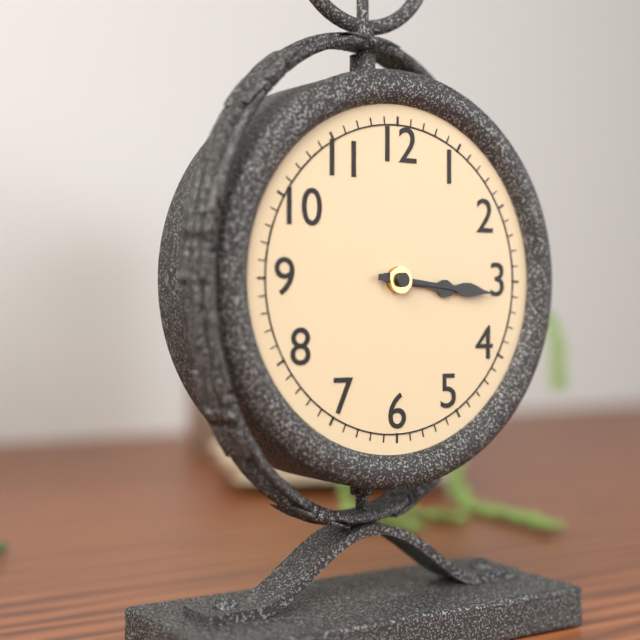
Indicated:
3.16
